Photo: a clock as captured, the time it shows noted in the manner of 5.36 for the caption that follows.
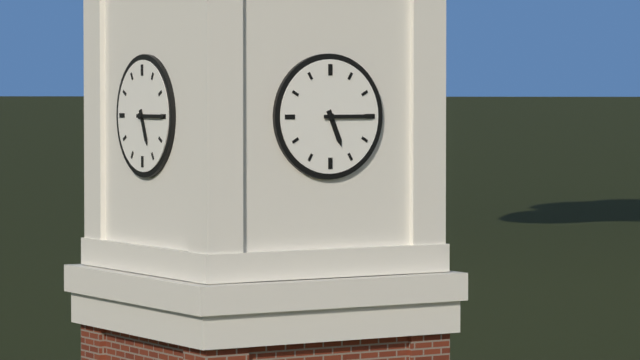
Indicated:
5.15
